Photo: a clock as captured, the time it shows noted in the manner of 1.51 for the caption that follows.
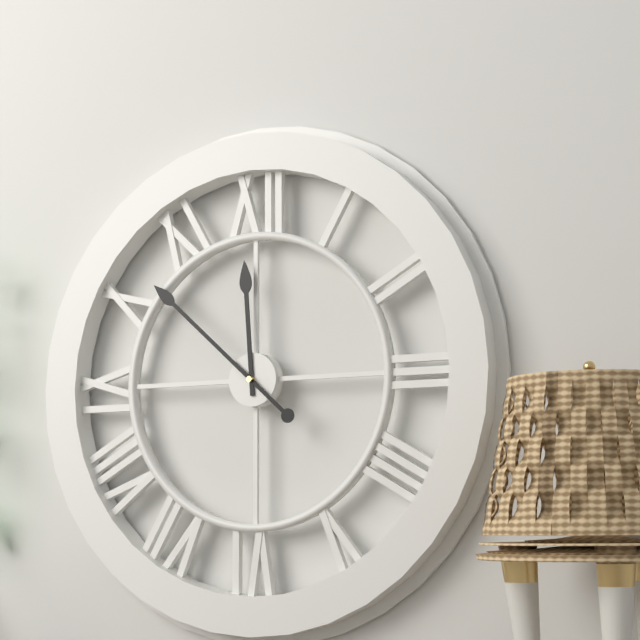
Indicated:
11.52
